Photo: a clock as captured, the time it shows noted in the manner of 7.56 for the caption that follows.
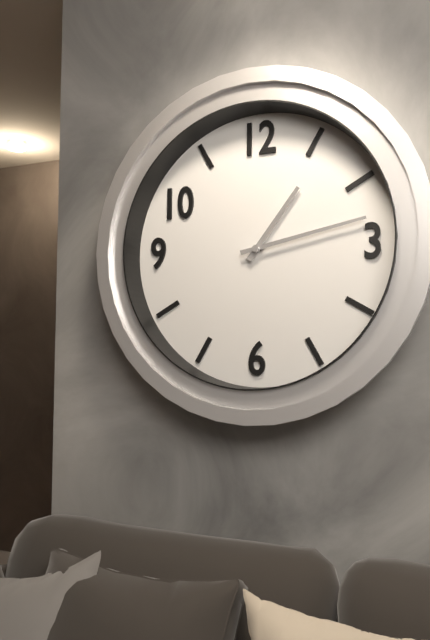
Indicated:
1.13
